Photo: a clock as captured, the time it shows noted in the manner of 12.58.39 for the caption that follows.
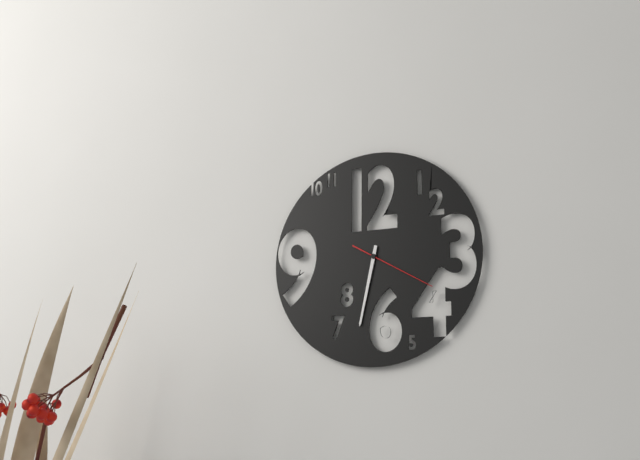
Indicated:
6.32.20
